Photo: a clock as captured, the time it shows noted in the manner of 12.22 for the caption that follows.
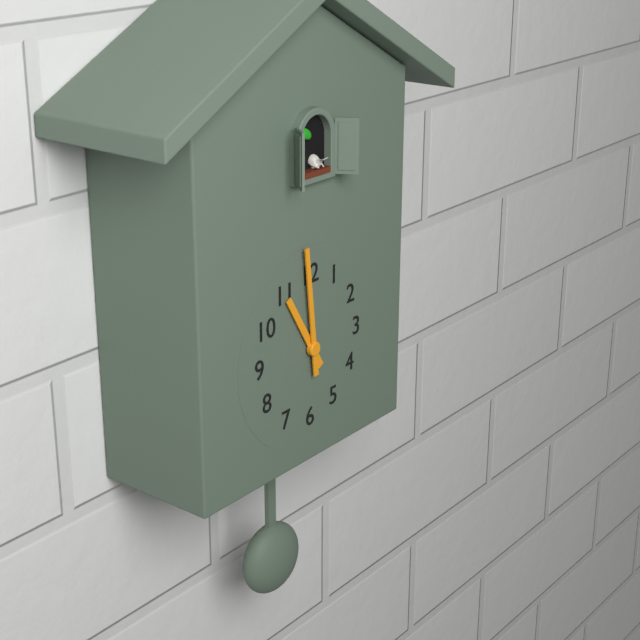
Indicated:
10.59
